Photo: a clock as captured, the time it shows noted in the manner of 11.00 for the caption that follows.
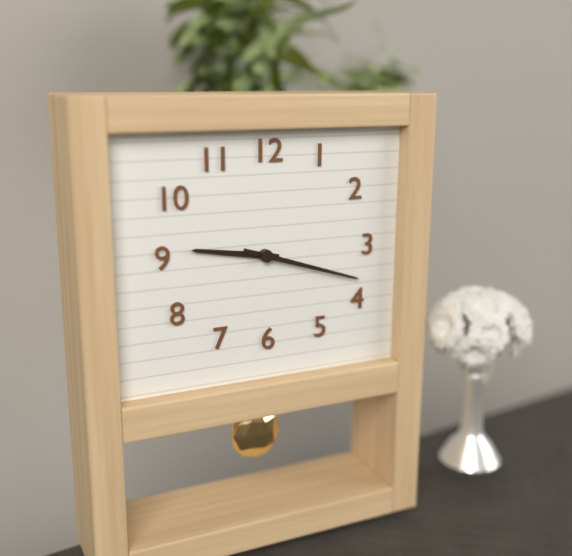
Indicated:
9.18
